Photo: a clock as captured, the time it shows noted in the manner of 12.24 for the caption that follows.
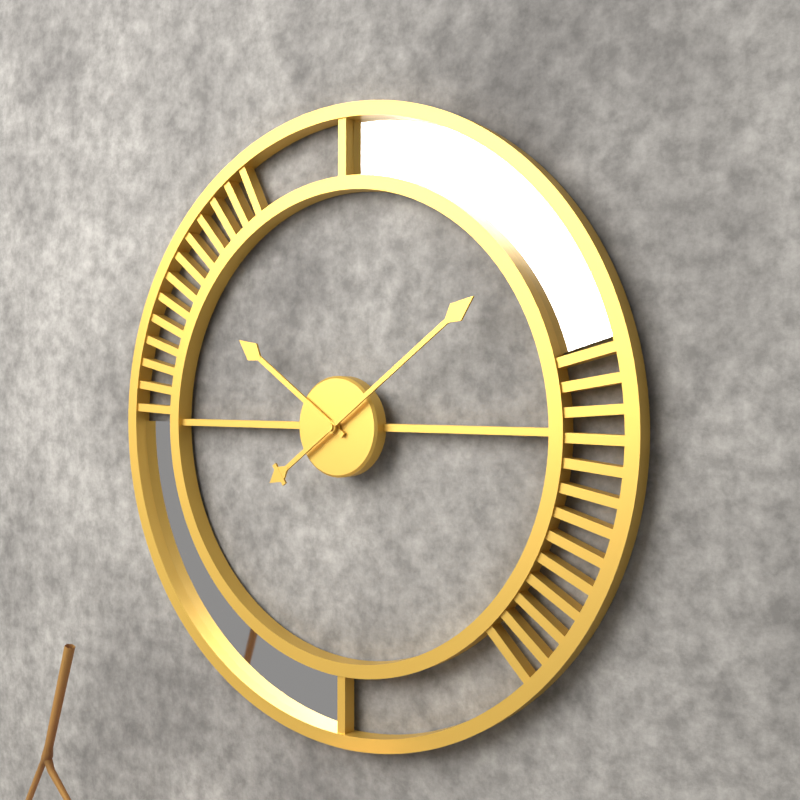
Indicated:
10.09
